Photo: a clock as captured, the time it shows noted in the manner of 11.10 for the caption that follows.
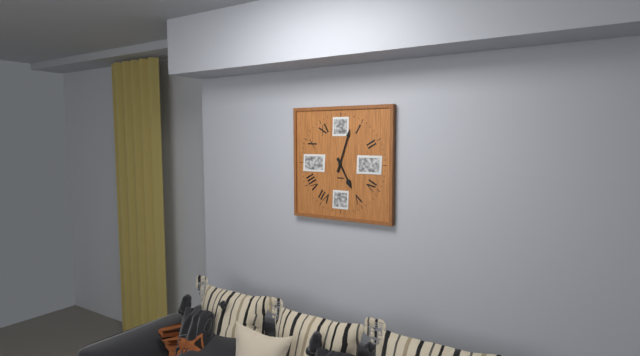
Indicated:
5.03
